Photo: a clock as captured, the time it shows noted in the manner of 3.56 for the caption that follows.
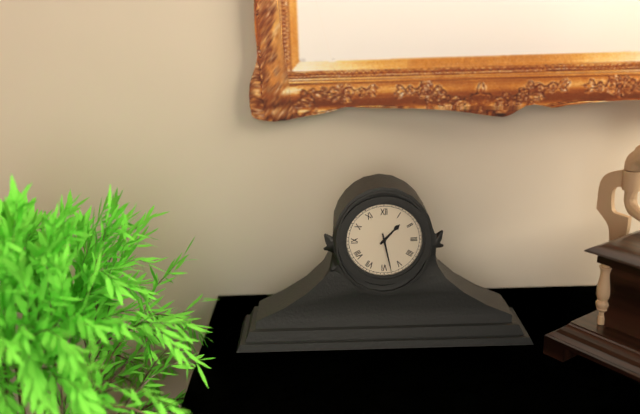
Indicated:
1.28
